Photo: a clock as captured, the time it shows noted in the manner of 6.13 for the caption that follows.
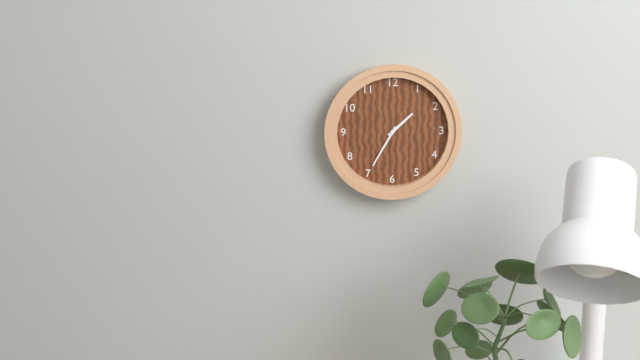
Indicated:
1.35
